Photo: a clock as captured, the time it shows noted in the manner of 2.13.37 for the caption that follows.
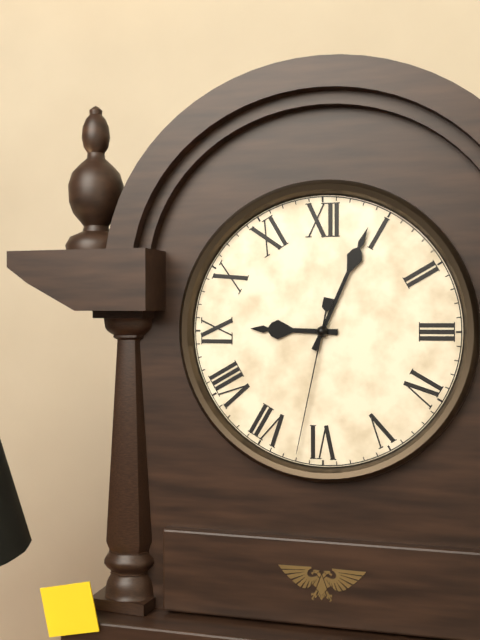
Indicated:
9.04.32
